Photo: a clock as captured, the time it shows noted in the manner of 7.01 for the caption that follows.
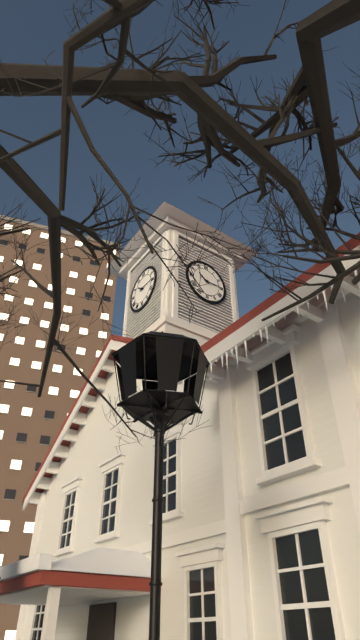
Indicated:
10.15
